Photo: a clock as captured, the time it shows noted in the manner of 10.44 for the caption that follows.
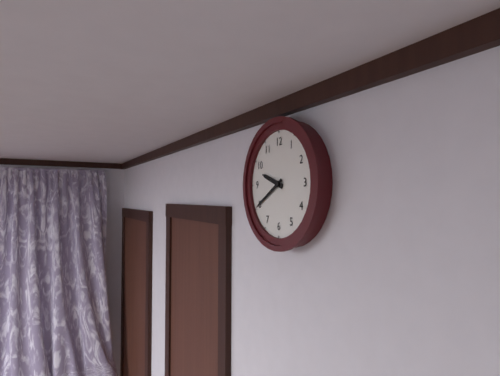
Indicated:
9.40
